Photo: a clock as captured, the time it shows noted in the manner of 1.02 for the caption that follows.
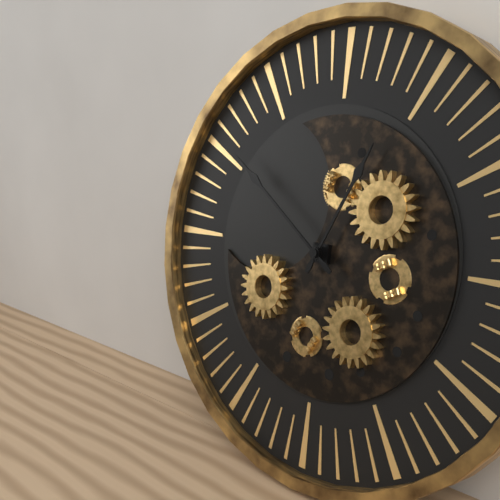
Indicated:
12.51
